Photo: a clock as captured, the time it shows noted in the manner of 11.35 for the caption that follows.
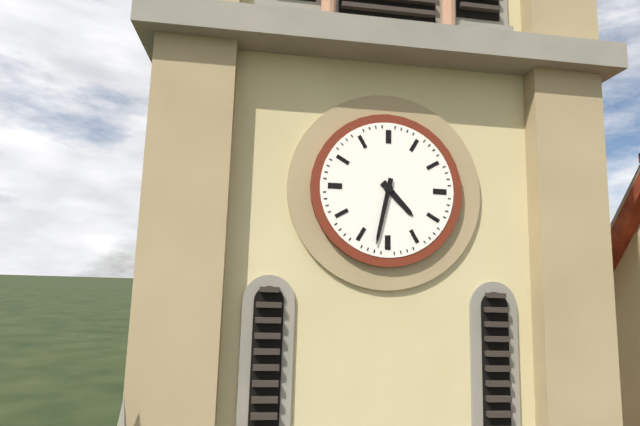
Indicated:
4.32
